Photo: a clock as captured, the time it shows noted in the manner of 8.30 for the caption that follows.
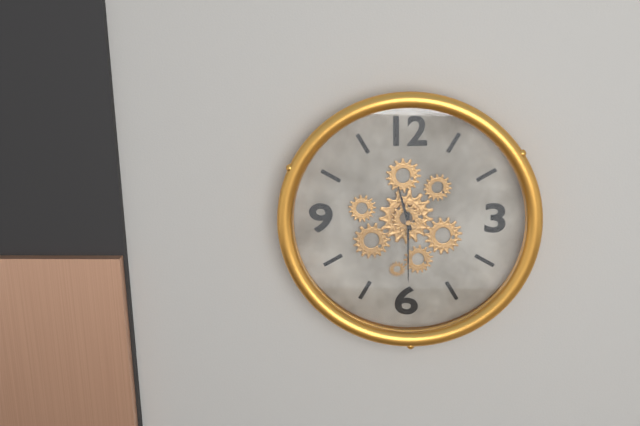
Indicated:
11.30
